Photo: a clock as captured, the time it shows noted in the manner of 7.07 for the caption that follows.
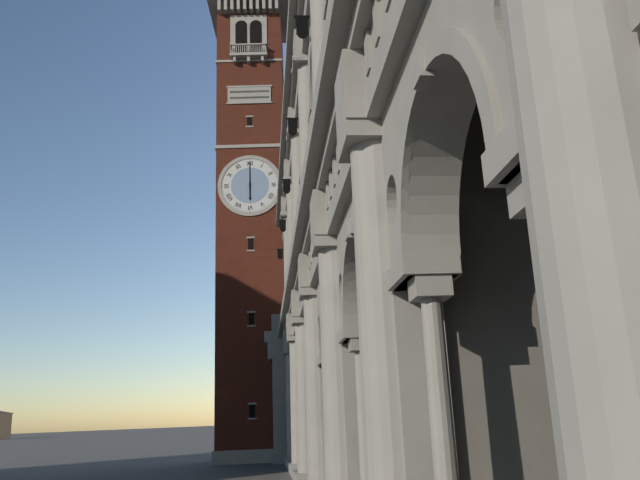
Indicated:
6.00
